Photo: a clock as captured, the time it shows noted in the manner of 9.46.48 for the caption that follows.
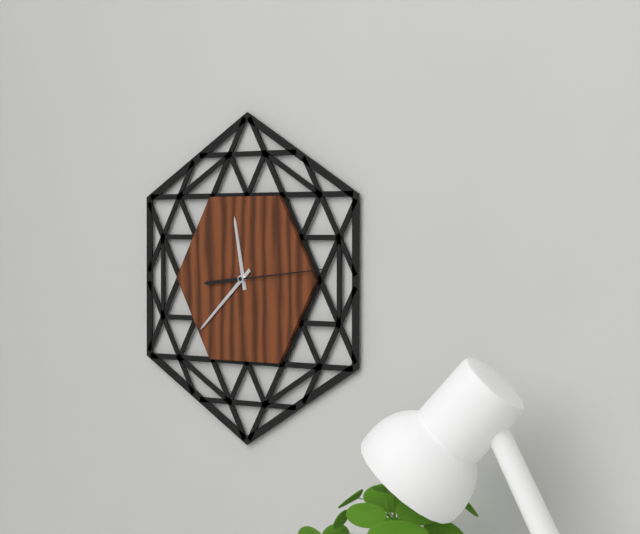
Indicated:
11.38.14
